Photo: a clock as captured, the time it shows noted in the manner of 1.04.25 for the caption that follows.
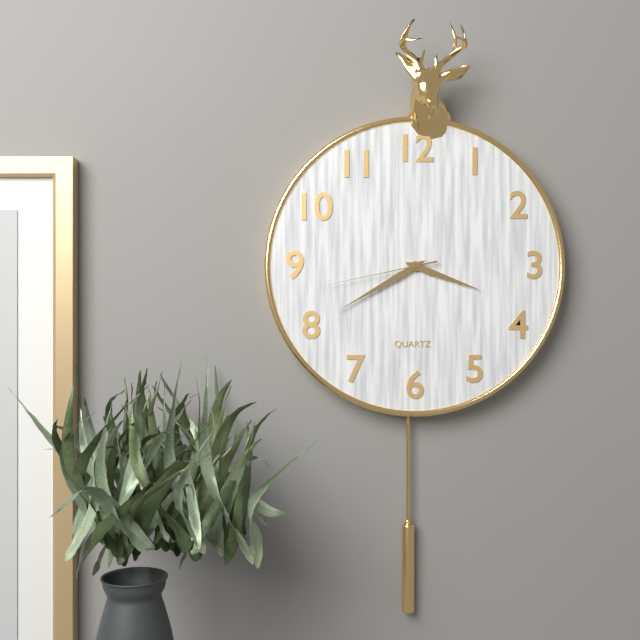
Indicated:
3.40.43
